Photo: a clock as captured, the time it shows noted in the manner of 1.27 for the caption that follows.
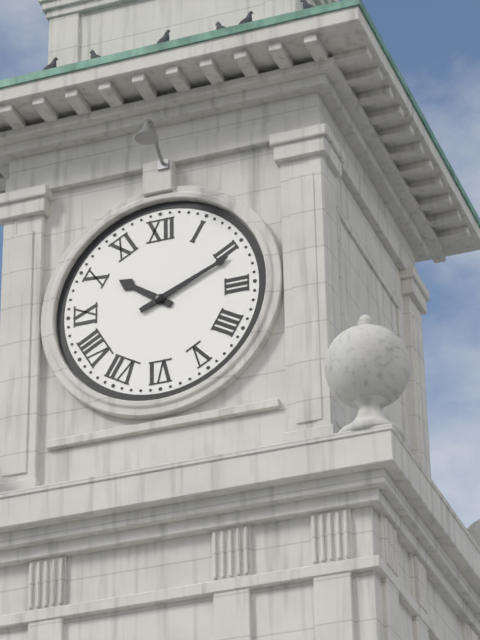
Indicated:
10.11
